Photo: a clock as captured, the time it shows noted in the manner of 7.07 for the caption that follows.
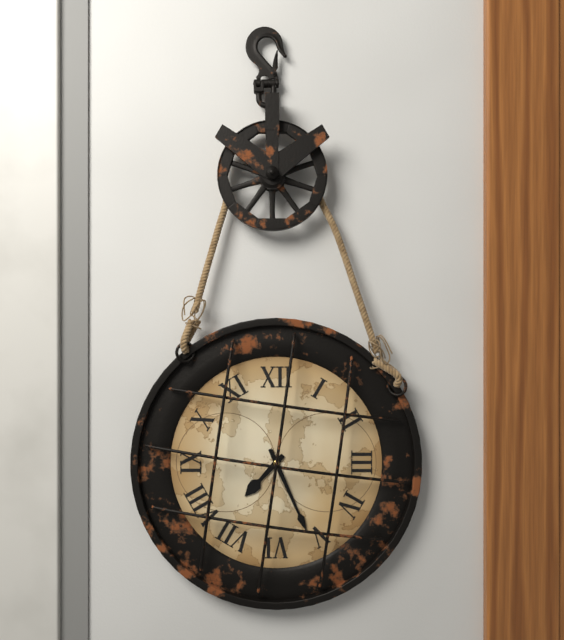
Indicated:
7.26
